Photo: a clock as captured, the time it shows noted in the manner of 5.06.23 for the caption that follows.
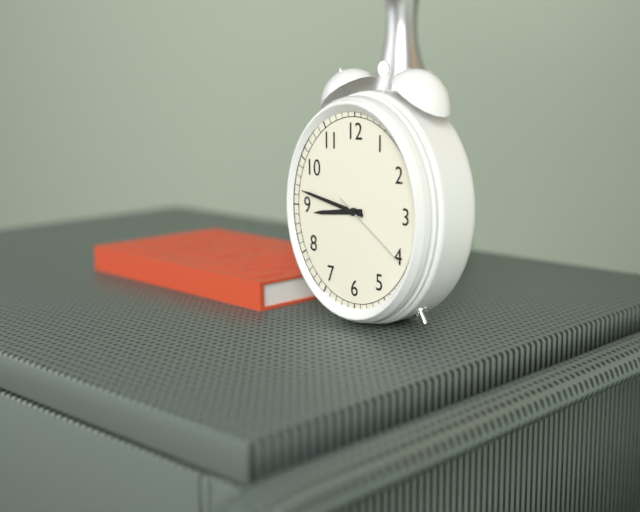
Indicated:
8.47.21
